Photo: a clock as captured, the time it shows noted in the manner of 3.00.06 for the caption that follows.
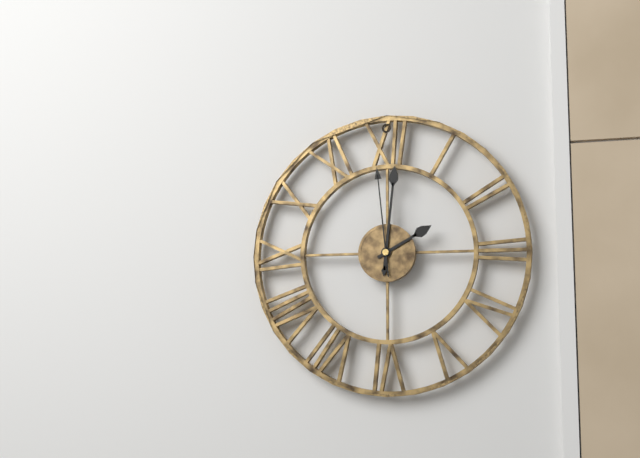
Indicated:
2.01.59
